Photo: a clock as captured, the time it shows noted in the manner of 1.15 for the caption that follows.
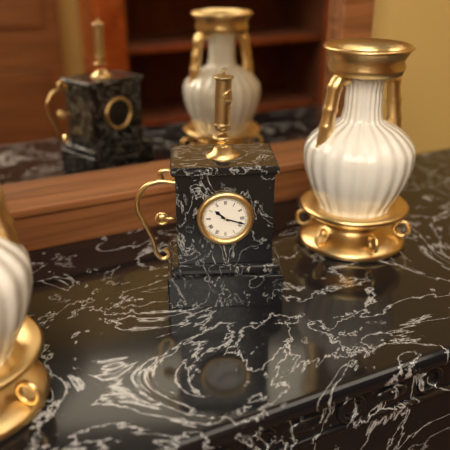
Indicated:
10.18
